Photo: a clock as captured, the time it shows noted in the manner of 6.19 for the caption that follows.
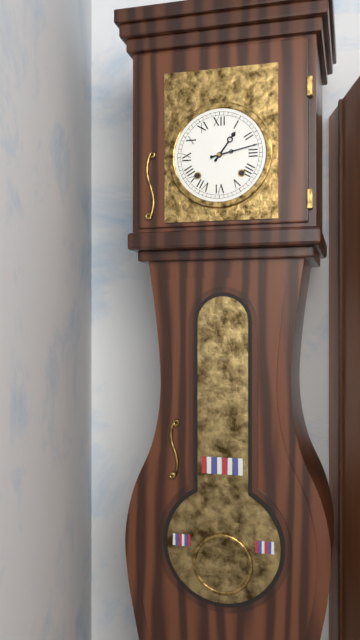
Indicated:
1.13
